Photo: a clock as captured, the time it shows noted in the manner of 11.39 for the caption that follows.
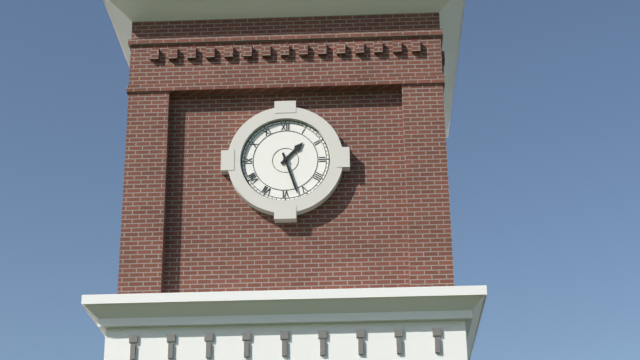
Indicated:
1.27
